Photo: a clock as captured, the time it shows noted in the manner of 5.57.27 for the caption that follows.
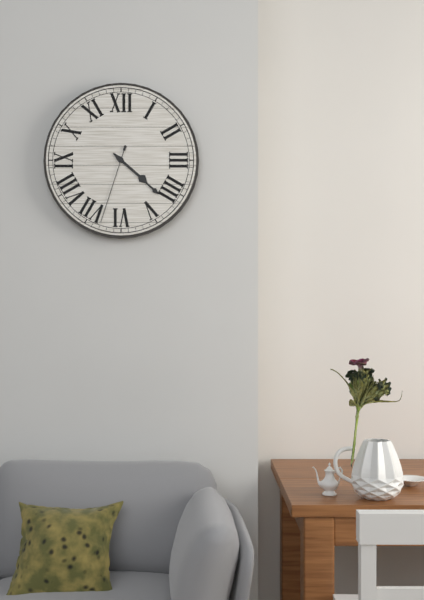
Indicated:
4.22.33
